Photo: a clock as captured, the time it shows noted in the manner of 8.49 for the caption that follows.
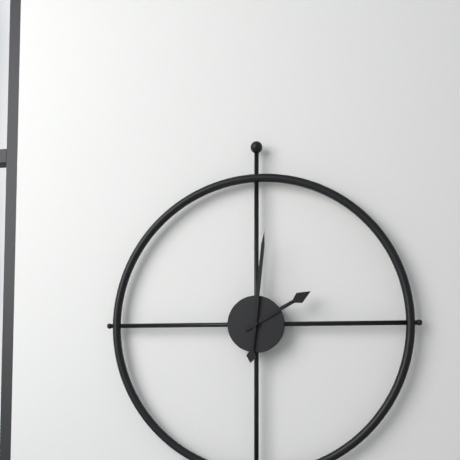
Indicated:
2.01
